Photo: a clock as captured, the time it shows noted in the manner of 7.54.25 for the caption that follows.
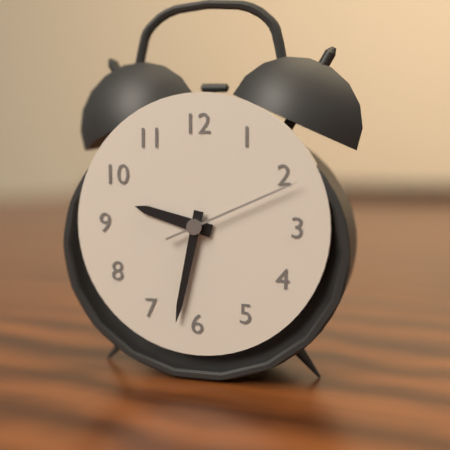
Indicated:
9.32.11
